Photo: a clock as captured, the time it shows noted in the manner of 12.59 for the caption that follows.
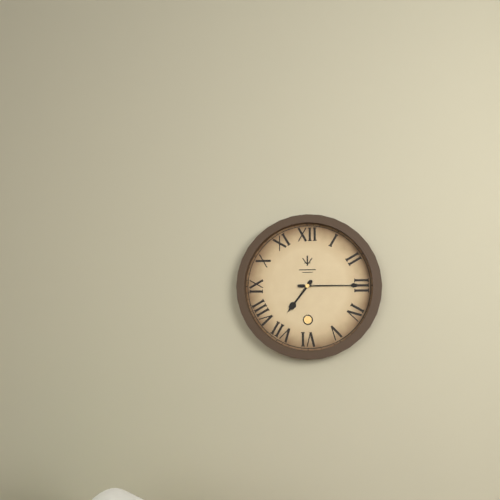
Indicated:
7.15
